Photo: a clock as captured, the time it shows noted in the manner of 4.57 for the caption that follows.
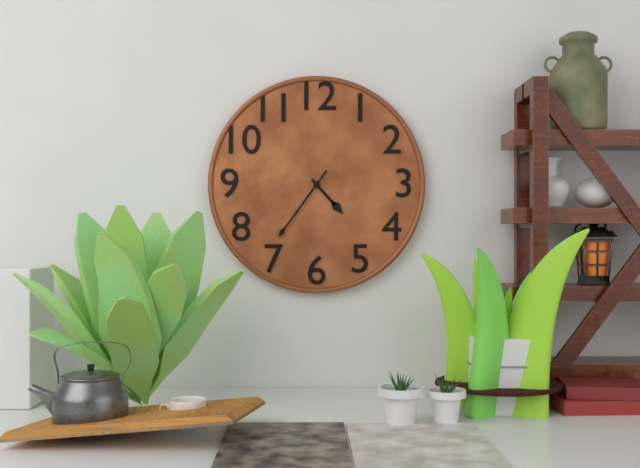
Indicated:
4.36
